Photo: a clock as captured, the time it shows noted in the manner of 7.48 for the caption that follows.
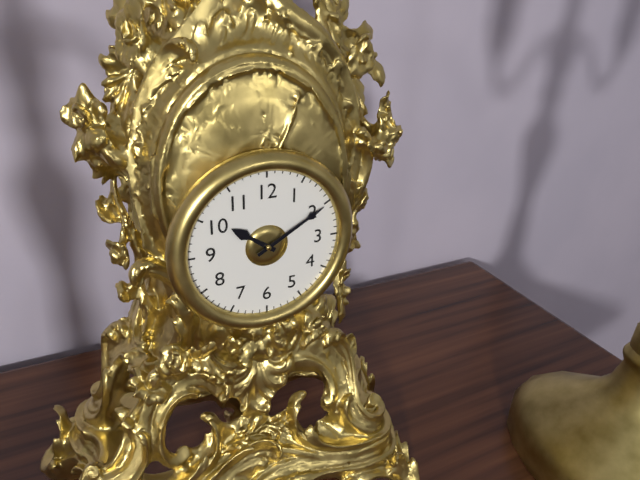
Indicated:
10.10
